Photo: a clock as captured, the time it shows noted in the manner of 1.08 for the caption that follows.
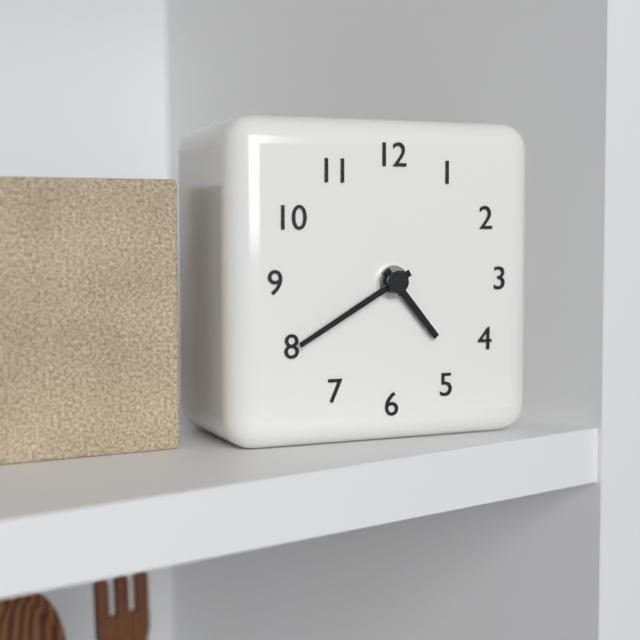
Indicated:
4.40
